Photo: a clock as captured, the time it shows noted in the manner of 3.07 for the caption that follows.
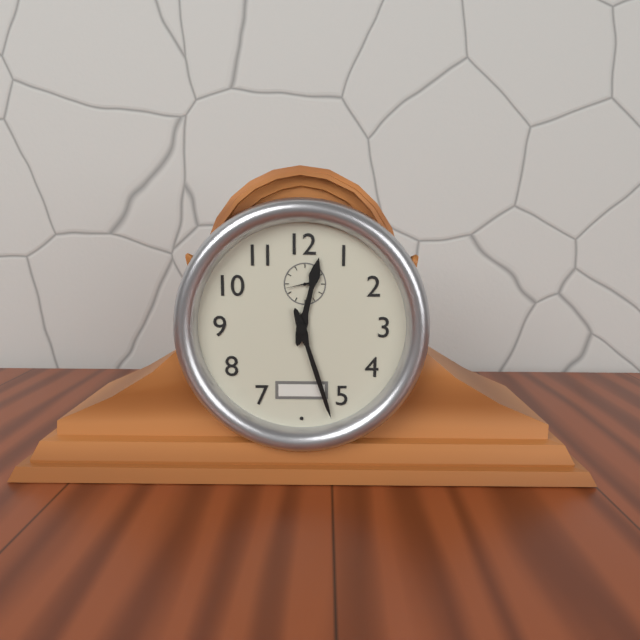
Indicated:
12.27
